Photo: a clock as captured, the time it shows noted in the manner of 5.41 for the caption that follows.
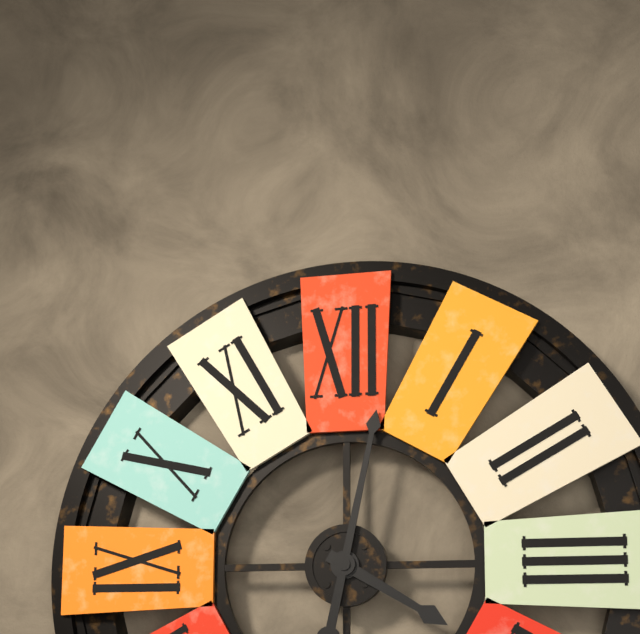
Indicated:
4.02
